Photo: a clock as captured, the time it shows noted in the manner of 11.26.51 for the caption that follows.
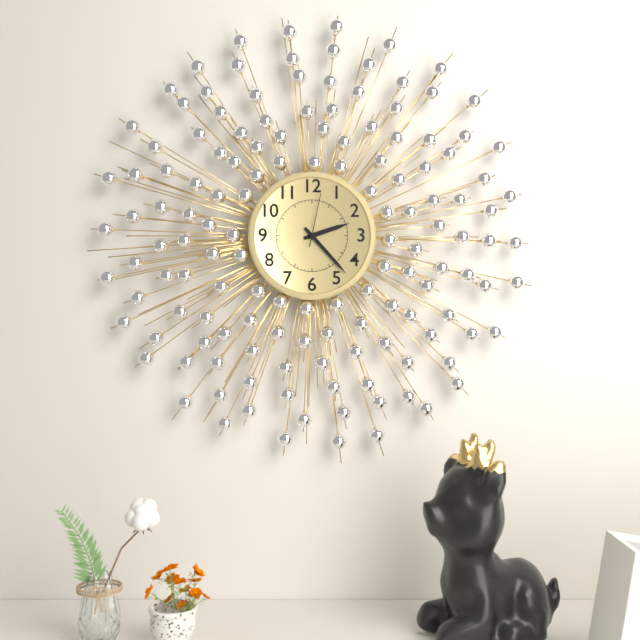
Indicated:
2.23.02
